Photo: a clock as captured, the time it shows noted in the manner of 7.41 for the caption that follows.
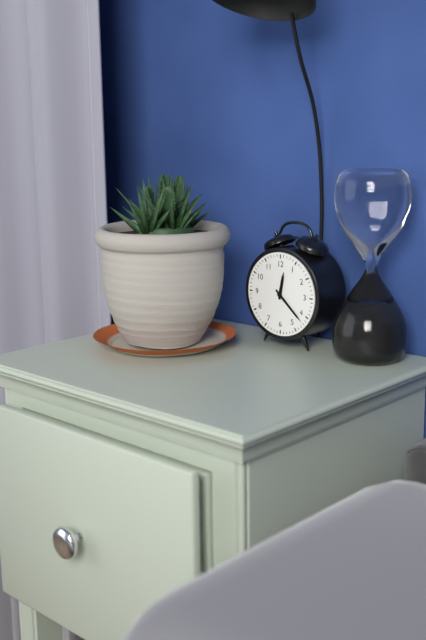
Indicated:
12.22
